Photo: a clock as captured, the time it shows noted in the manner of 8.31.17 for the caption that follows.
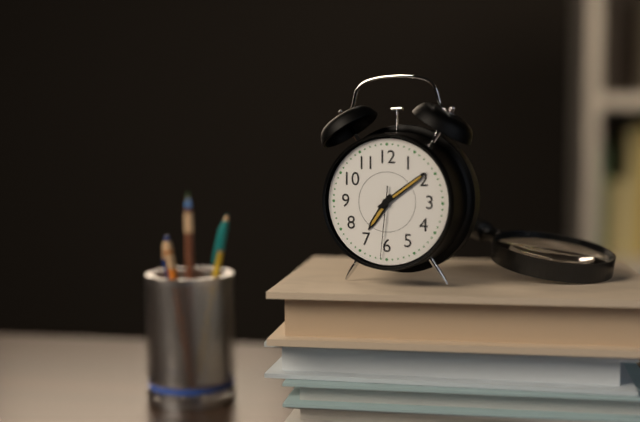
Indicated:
7.09.31
